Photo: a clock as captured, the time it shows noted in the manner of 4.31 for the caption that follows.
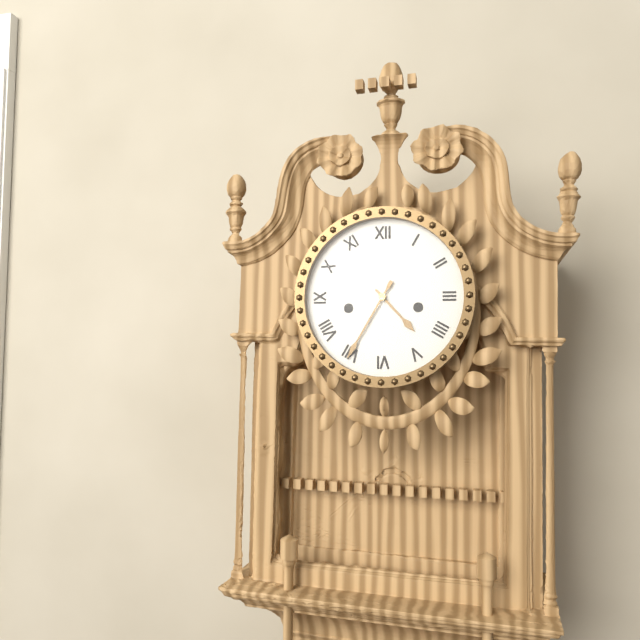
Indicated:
4.35
